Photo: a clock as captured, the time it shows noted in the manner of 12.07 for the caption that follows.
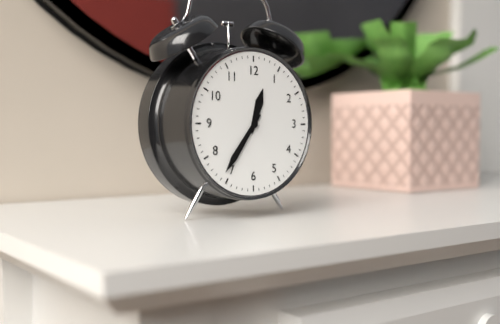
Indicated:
12.36
